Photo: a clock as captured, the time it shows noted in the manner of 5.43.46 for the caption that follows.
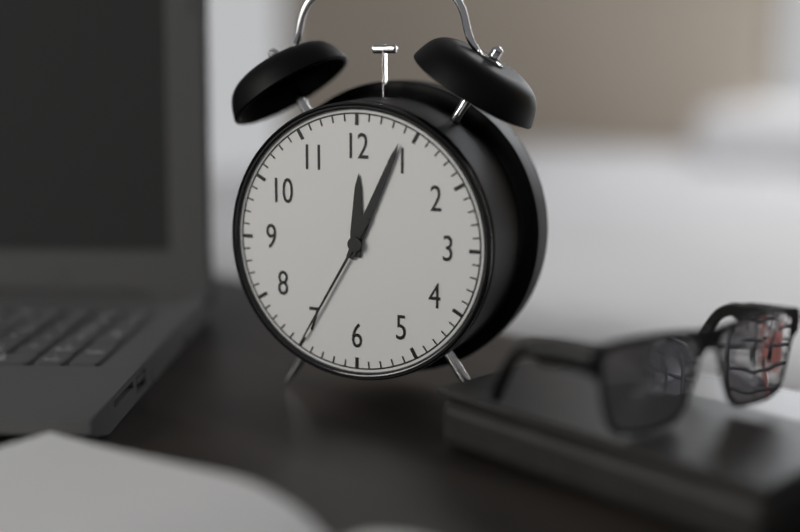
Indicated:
12.04.35
